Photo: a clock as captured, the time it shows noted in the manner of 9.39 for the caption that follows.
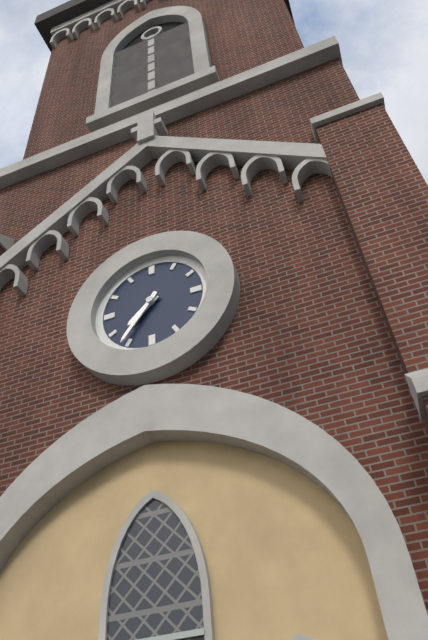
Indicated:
7.36
